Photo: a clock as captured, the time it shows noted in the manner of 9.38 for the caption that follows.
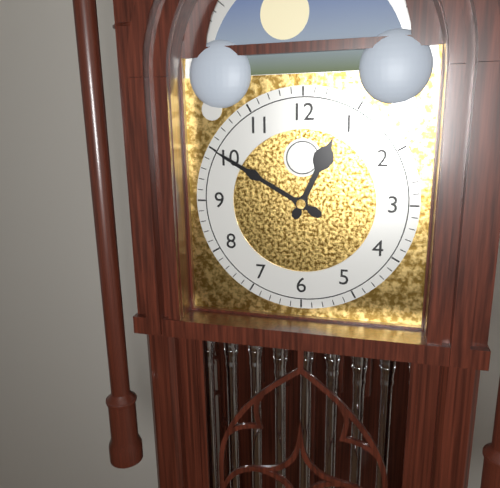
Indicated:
12.50
